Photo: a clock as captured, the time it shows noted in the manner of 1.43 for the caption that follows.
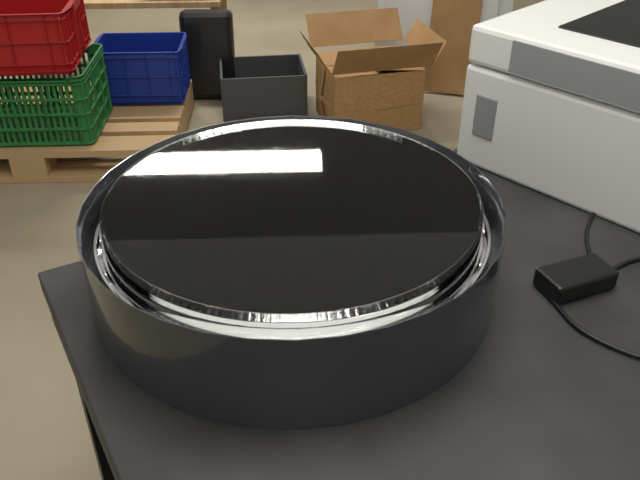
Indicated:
8.42
